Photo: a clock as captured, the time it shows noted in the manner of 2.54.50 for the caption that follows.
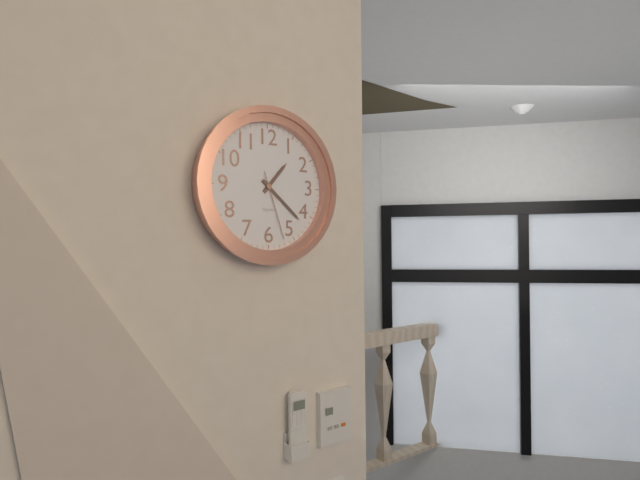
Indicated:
1.22.27
